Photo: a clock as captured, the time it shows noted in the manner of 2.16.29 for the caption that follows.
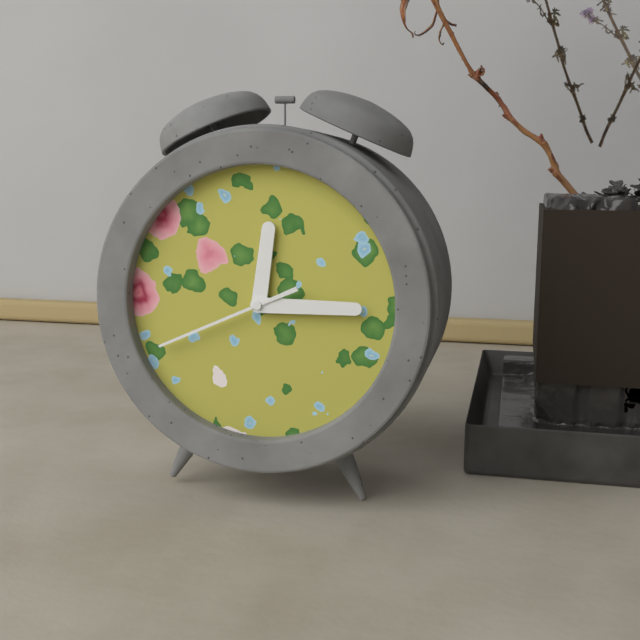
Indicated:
12.15.41
